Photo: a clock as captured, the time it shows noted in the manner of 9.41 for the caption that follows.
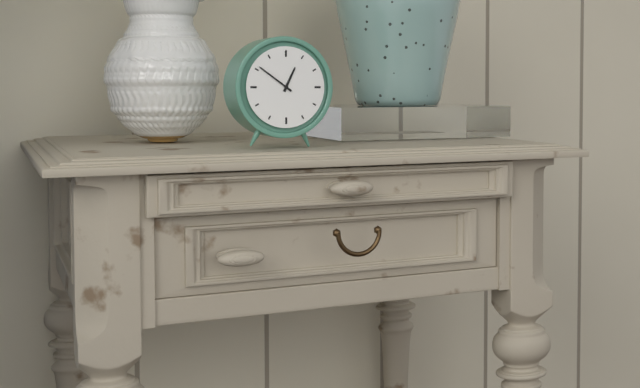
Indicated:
12.51
